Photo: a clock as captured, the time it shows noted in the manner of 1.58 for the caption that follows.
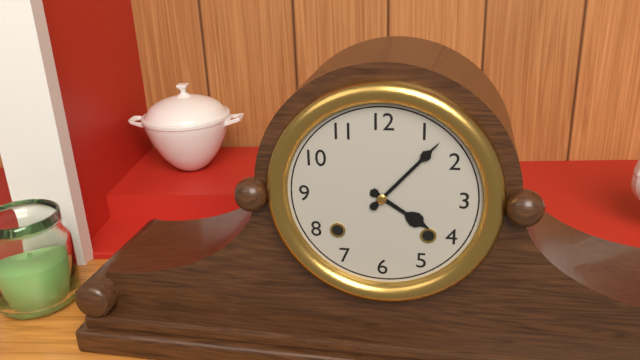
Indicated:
4.07
